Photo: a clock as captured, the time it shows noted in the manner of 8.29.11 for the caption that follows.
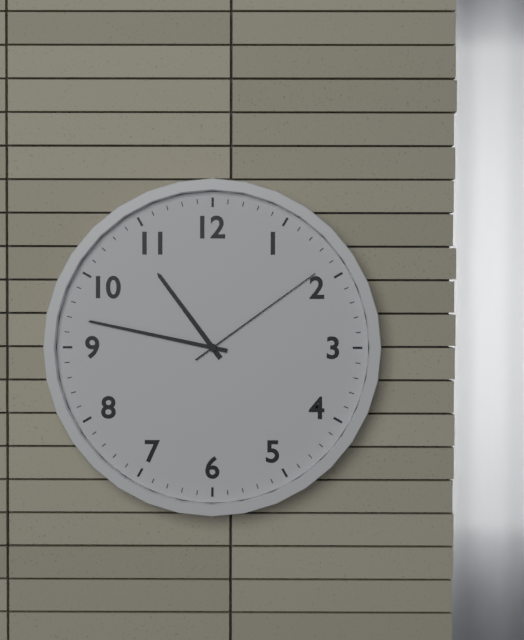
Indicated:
10.47.09
